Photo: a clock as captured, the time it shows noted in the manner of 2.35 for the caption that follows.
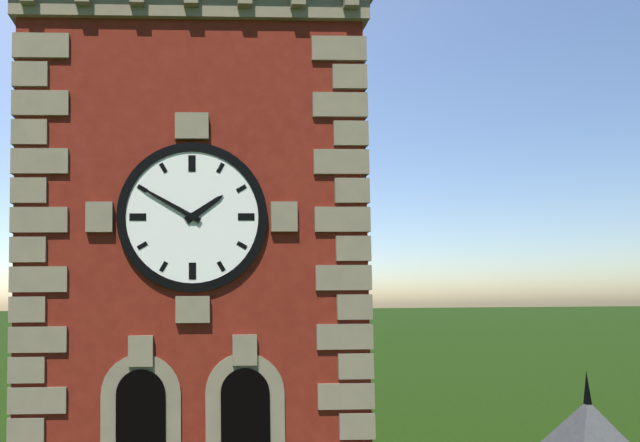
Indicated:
1.50
